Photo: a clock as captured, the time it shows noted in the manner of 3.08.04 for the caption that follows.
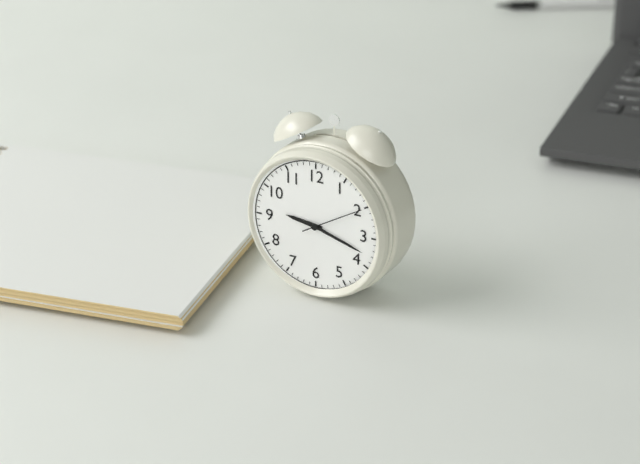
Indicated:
9.18.10
